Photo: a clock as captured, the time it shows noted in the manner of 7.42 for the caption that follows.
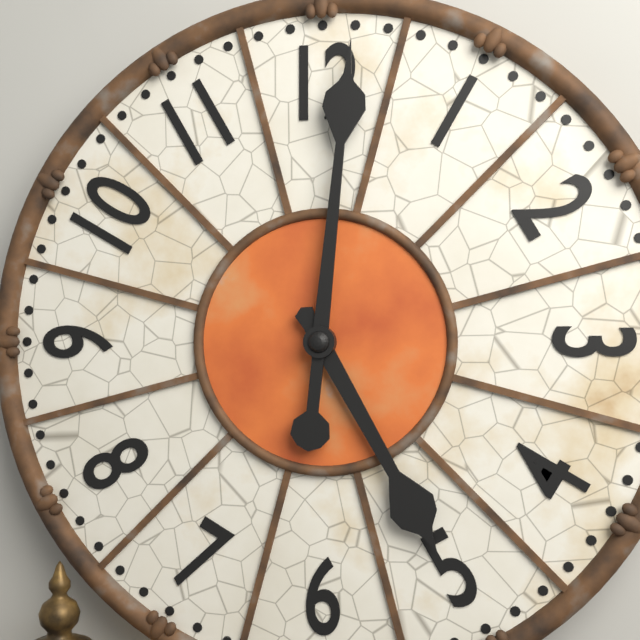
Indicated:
5.01
